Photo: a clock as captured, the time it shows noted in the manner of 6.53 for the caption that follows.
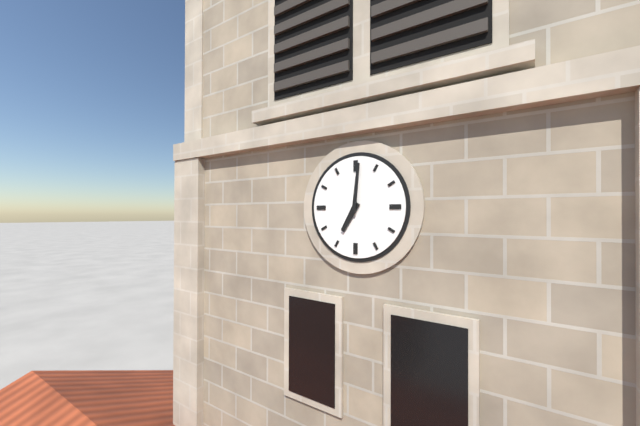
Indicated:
7.01
